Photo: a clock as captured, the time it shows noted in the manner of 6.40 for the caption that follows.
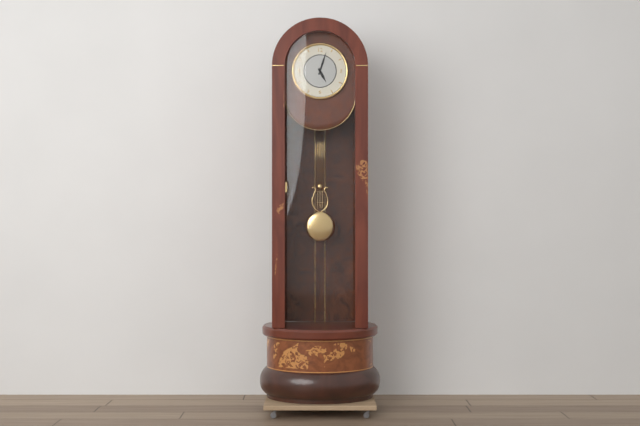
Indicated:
5.03
